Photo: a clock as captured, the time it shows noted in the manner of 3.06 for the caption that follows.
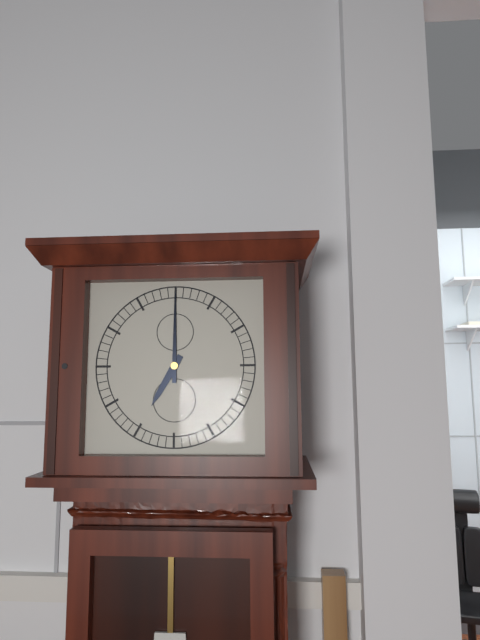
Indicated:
7.00
